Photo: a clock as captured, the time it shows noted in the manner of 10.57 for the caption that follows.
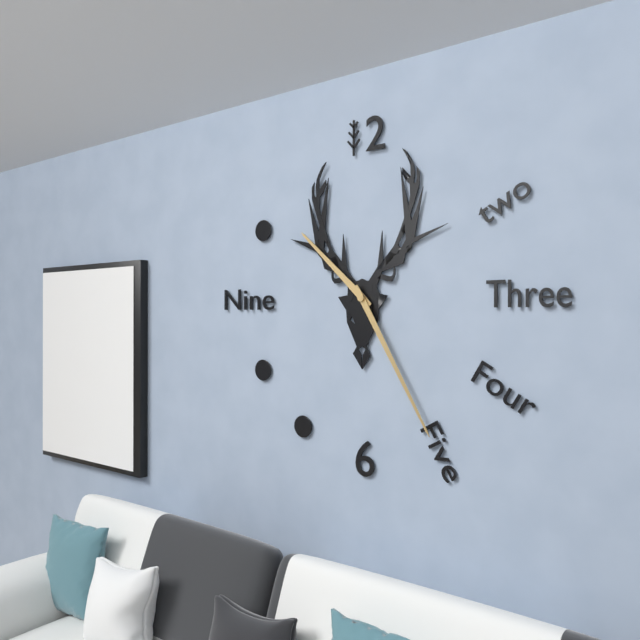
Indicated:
10.25
